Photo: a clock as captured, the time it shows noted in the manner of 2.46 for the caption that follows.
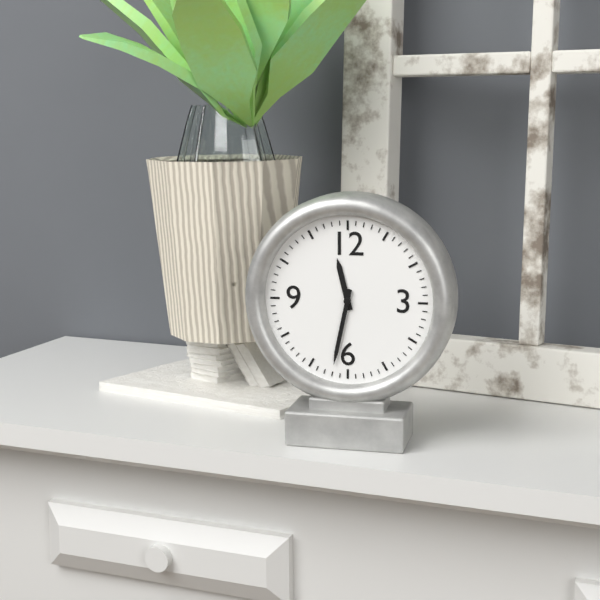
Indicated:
11.32
